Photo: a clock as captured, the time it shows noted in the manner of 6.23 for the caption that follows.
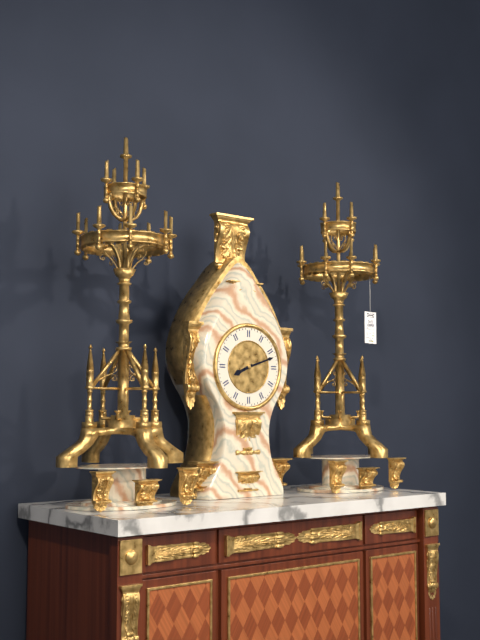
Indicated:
8.12
